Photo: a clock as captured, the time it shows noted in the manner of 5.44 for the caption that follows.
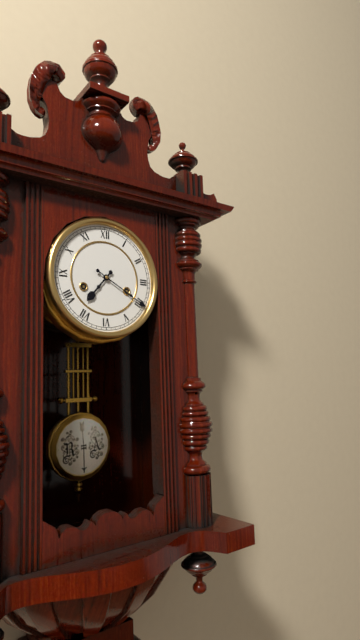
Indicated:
7.20
